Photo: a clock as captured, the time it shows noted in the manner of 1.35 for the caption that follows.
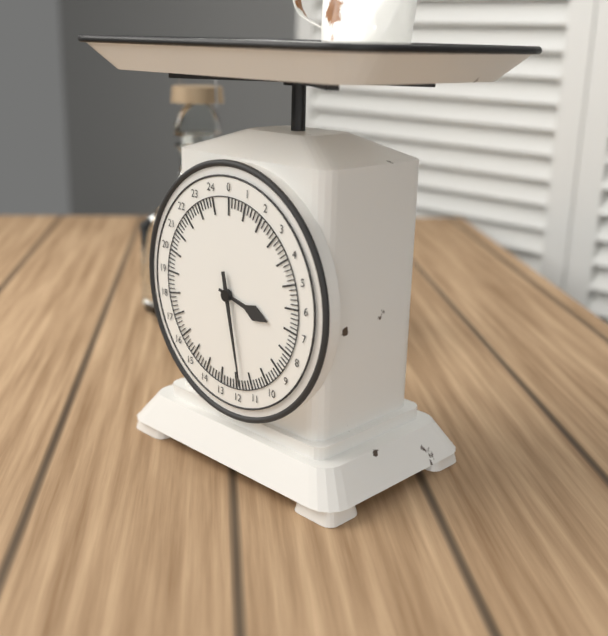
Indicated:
3.28
